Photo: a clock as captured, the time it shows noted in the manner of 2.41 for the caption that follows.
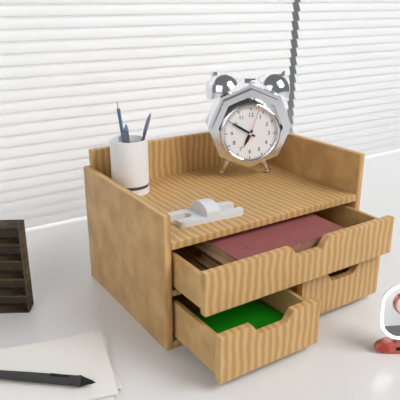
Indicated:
6.50
